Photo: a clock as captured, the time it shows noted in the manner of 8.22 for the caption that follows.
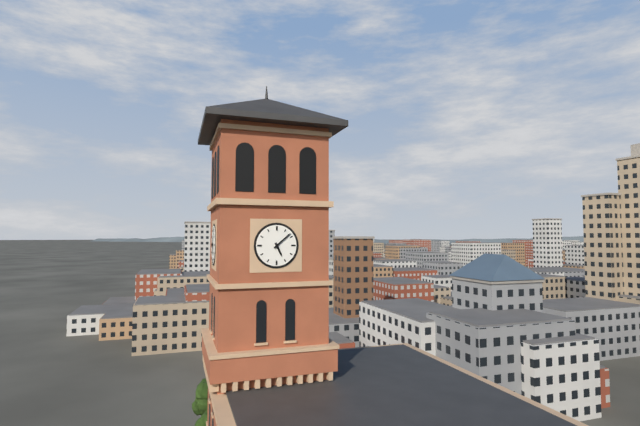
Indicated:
5.08
